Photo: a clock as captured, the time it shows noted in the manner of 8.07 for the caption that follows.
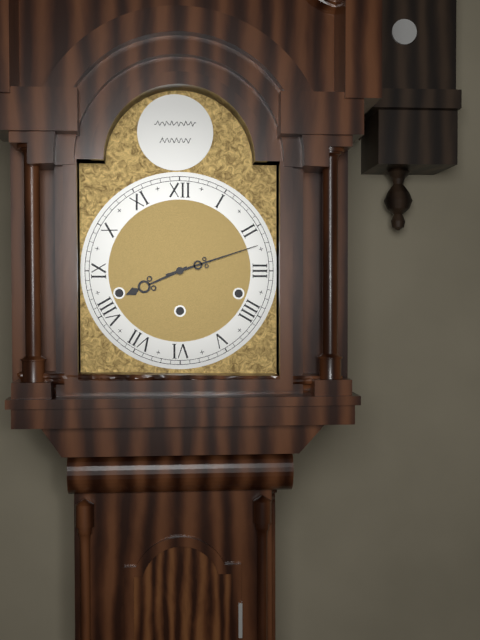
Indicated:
8.12
